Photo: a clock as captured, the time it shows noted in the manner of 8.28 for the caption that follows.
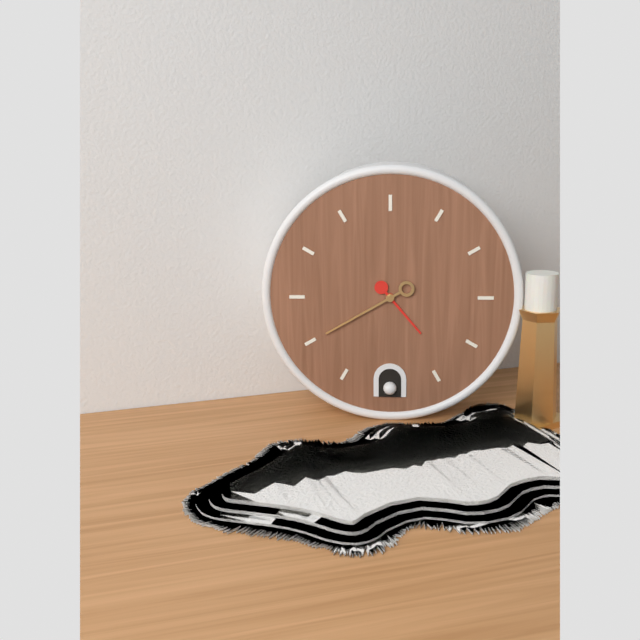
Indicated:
4.40
